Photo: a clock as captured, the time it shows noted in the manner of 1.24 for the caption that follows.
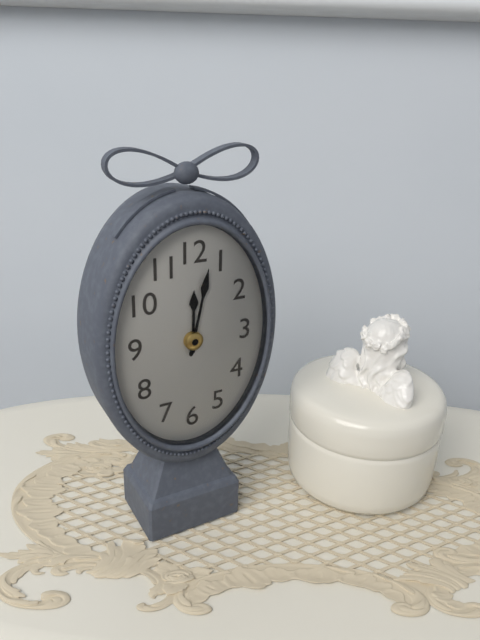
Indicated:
12.02
